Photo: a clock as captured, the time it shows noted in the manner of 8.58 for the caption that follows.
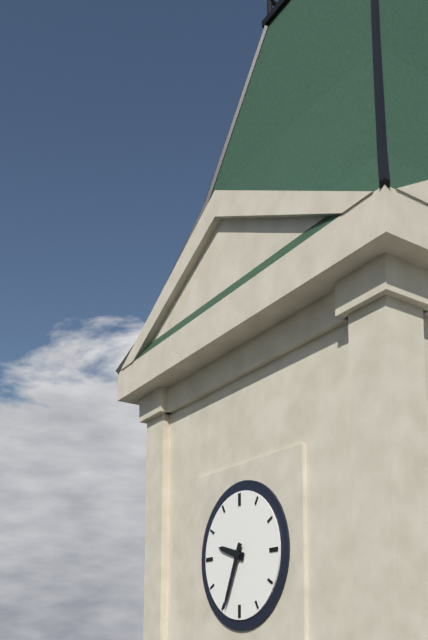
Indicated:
9.34
